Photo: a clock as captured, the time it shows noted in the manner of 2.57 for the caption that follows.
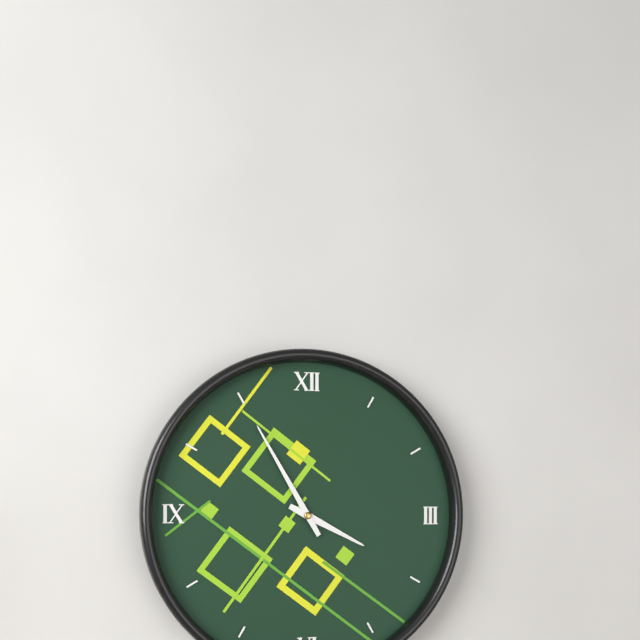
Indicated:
3.55
